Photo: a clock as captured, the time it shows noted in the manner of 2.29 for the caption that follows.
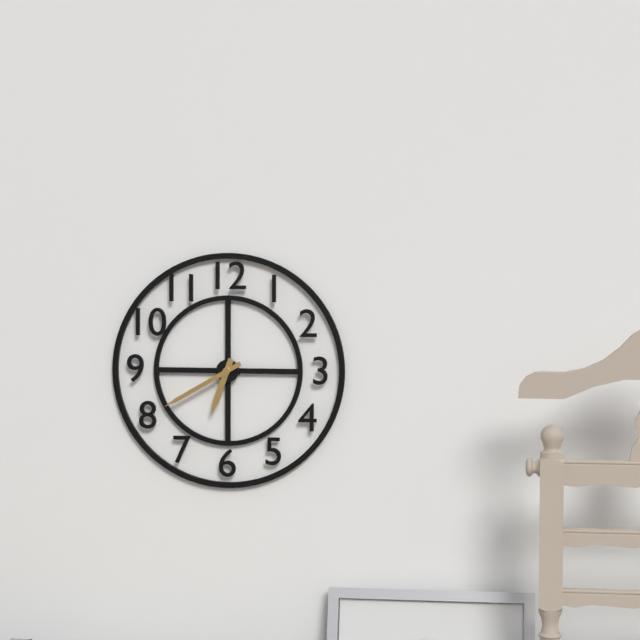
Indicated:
6.40
